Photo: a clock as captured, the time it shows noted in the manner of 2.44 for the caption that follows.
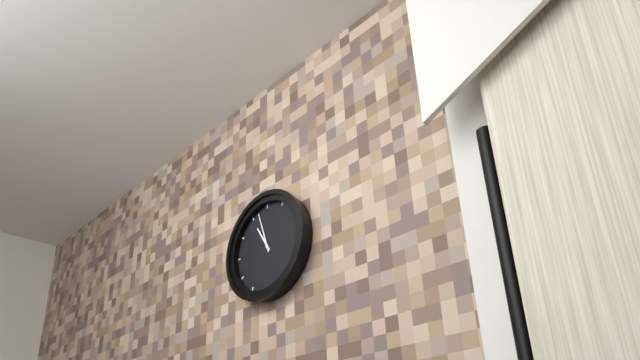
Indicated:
10.57
